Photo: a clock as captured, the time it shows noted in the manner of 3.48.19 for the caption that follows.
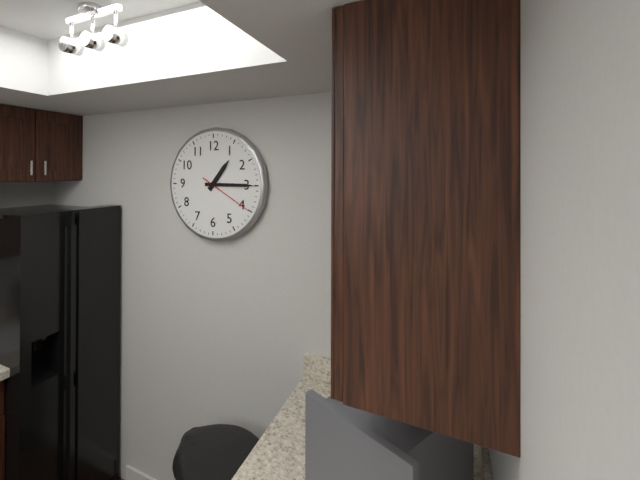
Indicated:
1.15.20
